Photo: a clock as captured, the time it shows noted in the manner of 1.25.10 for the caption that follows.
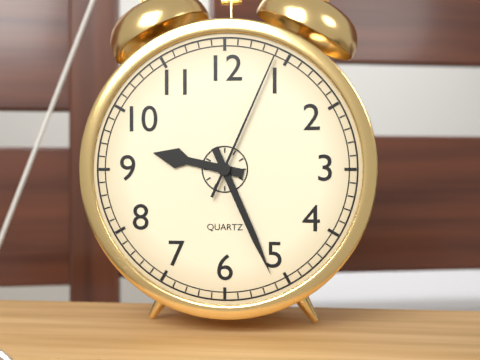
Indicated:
9.26.04
